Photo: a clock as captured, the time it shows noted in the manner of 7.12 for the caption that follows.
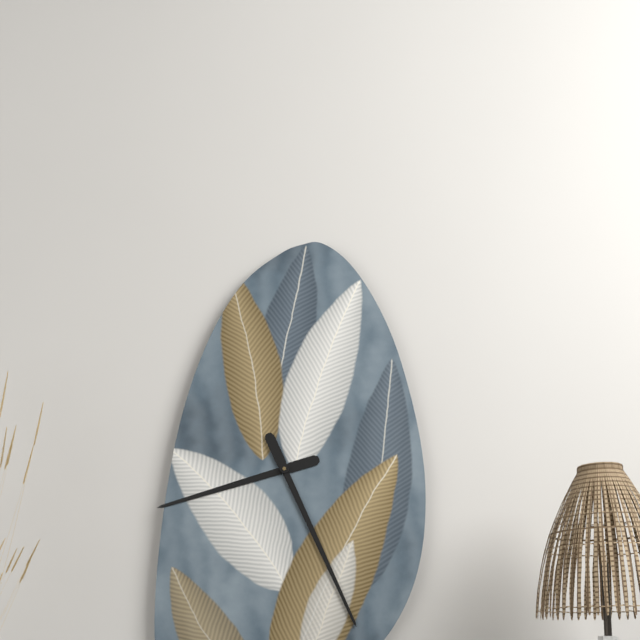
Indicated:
8.26
